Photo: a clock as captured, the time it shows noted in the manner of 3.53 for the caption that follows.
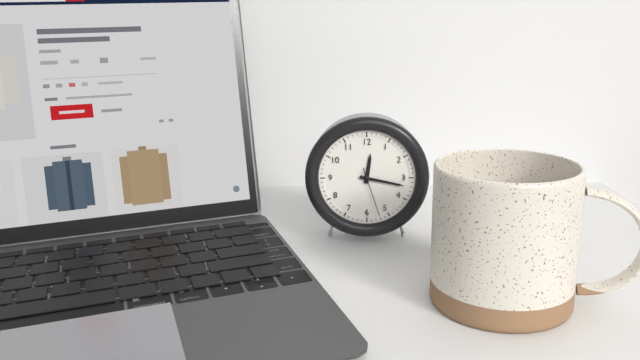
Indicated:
12.17
